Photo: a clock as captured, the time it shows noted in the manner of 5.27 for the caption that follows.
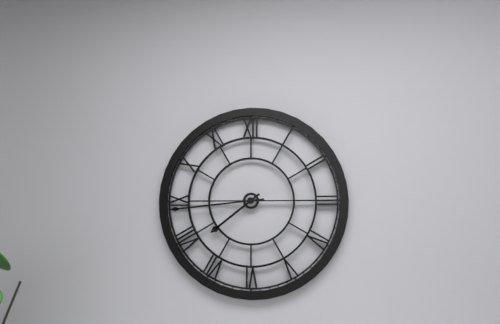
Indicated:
7.44
